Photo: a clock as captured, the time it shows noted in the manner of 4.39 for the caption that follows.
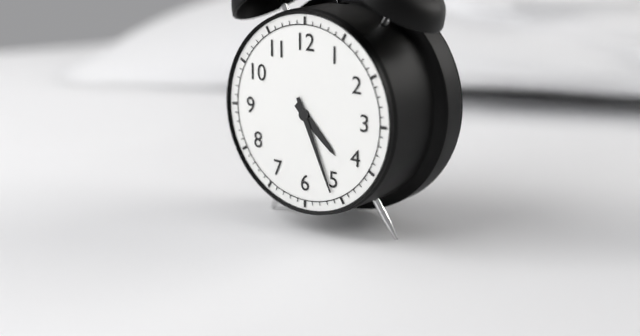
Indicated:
4.26
